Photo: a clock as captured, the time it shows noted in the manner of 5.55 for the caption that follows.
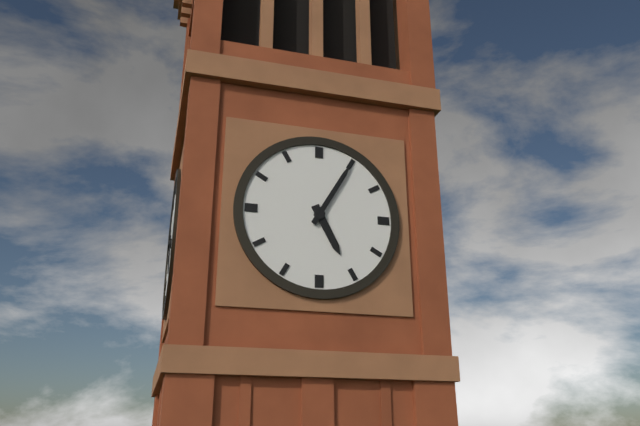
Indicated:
5.05
